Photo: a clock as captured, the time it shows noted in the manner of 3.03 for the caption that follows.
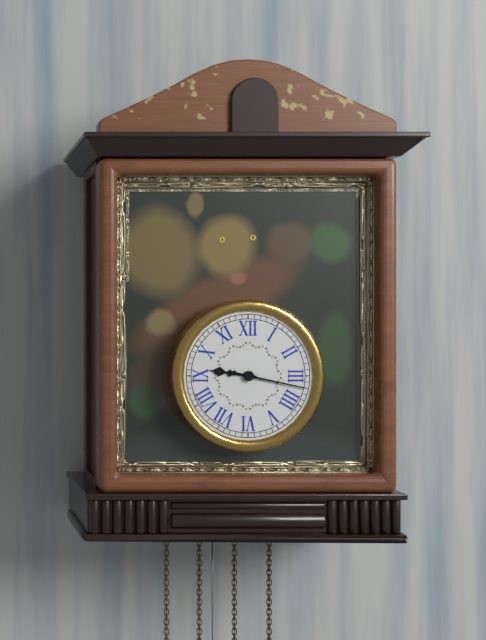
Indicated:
9.17
